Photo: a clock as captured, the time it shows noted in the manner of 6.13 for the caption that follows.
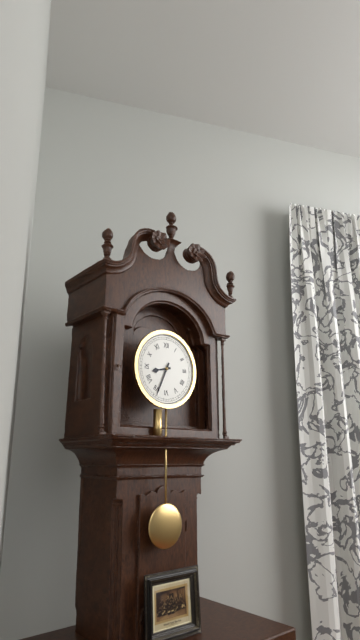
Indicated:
8.34
